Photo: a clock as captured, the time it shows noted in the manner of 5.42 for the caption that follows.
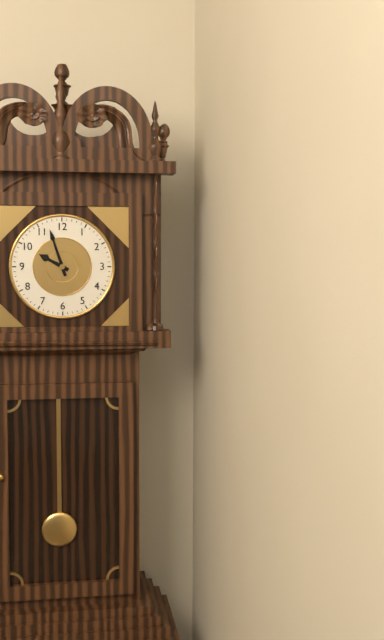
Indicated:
9.57
